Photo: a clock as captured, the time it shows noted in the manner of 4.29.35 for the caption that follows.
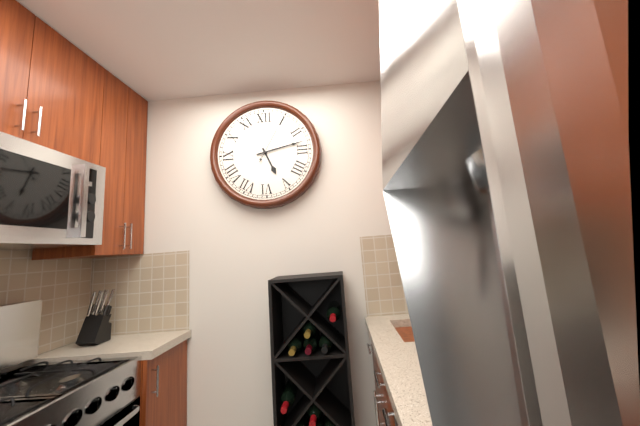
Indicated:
5.13.05
